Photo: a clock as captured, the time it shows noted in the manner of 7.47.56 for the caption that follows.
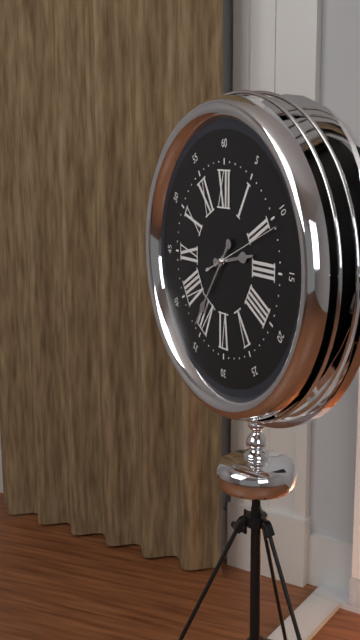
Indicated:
2.36.11
